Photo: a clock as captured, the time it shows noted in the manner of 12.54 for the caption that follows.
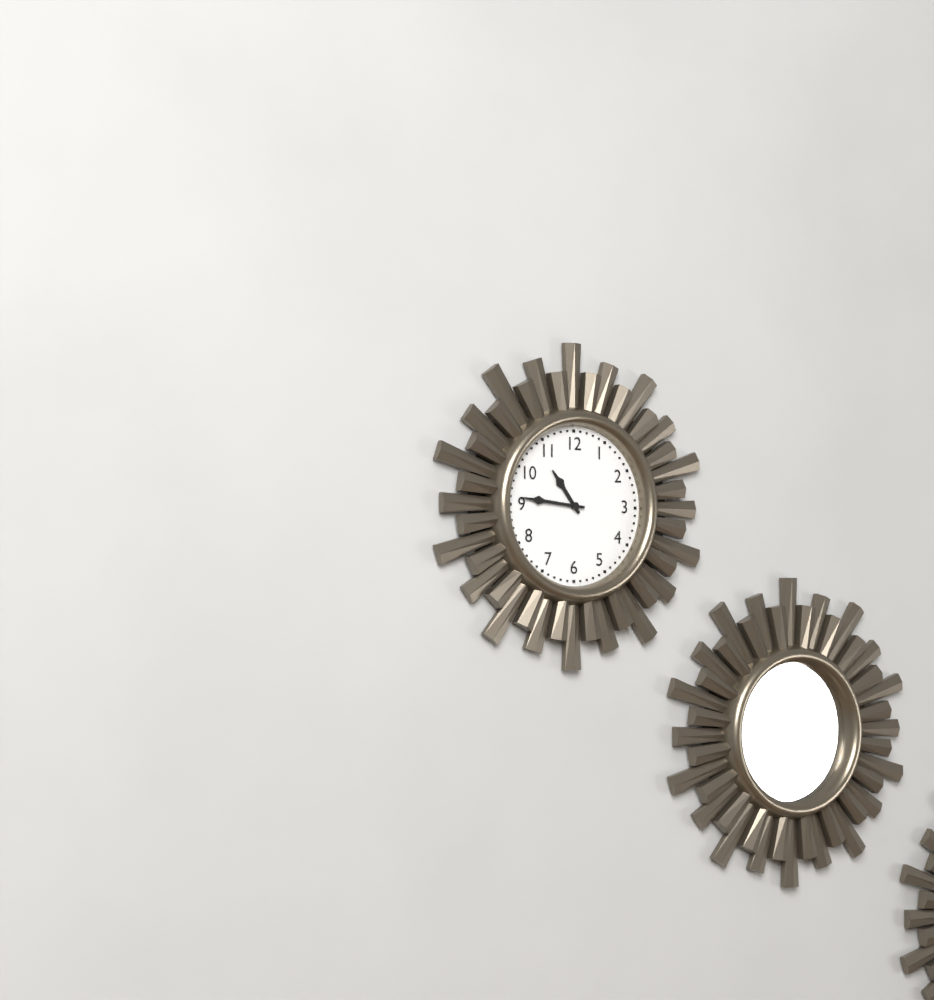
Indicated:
10.46
